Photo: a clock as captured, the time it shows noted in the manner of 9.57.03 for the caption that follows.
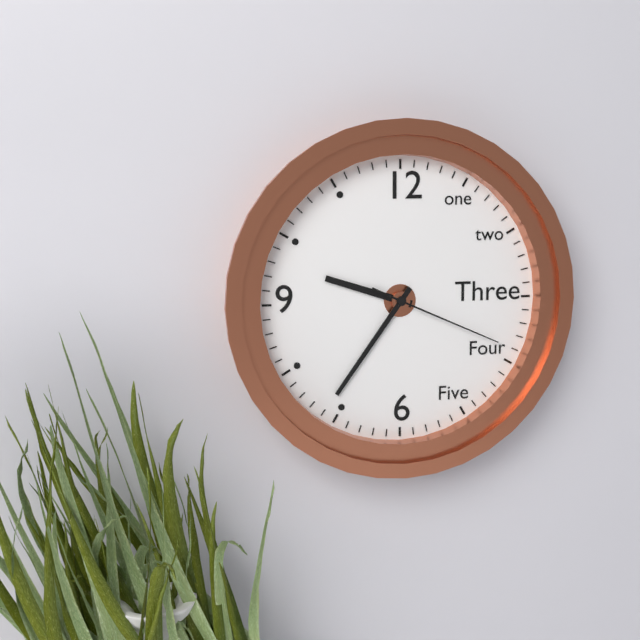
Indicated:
9.36.19
